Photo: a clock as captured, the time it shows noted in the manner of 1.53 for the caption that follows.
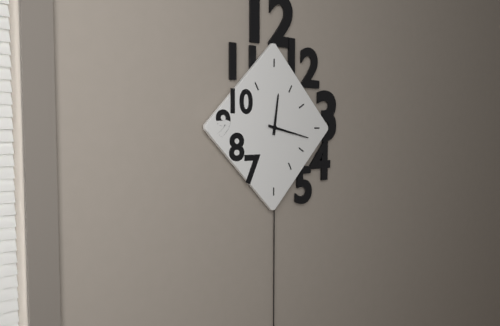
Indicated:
12.17
